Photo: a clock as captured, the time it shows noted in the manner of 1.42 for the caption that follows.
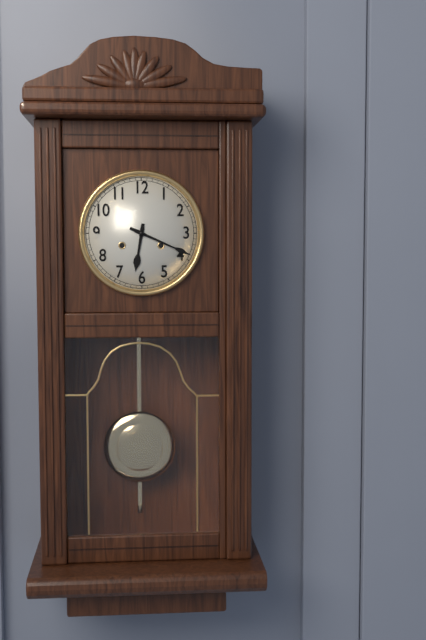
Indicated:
6.19
